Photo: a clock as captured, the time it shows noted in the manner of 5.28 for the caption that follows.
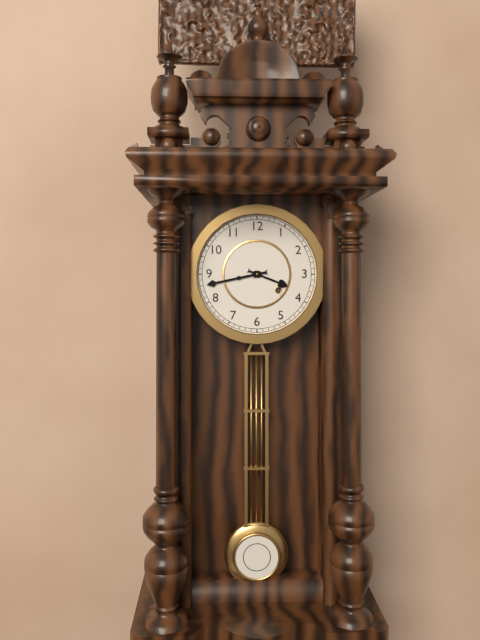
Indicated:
3.43
